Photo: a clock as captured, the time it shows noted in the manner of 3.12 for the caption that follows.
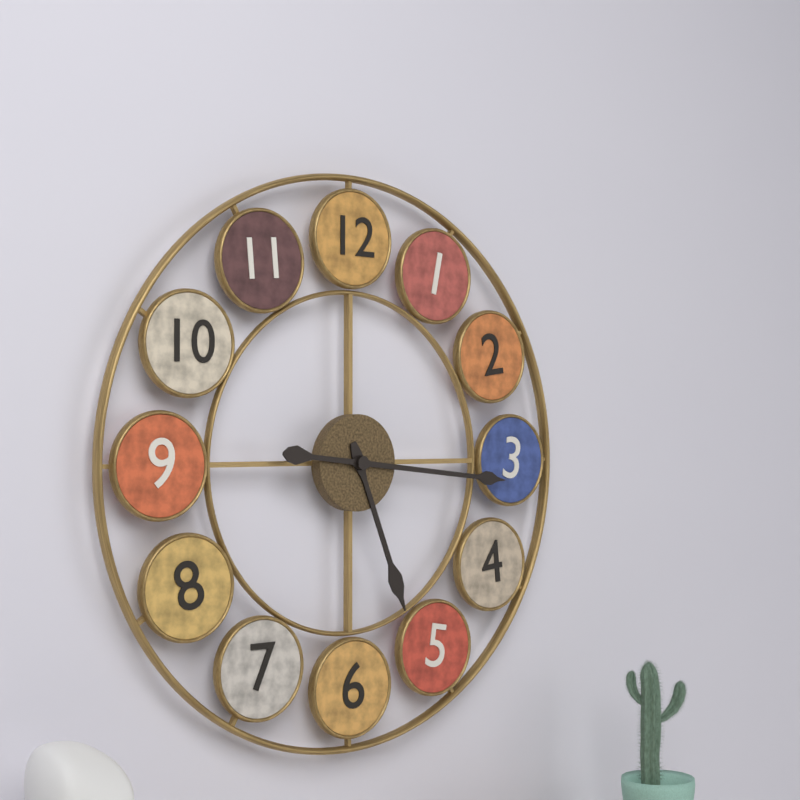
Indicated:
5.16
